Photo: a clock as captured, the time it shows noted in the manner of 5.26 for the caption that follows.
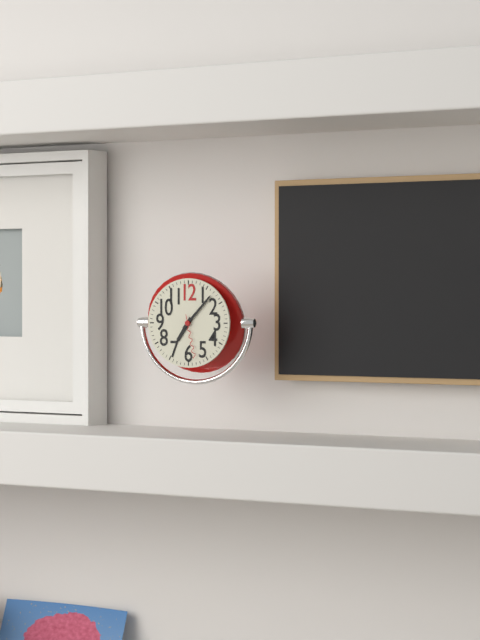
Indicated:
7.07
